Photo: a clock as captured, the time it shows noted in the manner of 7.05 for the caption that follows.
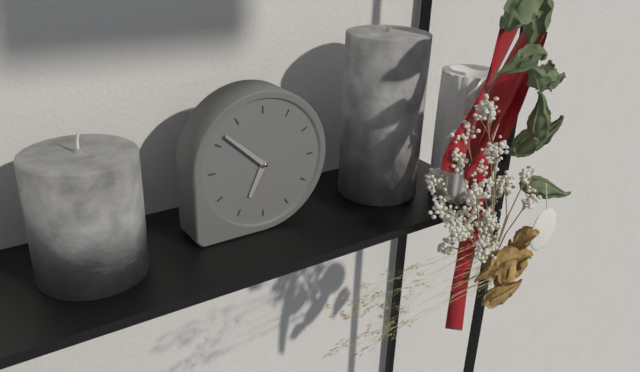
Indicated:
6.52
